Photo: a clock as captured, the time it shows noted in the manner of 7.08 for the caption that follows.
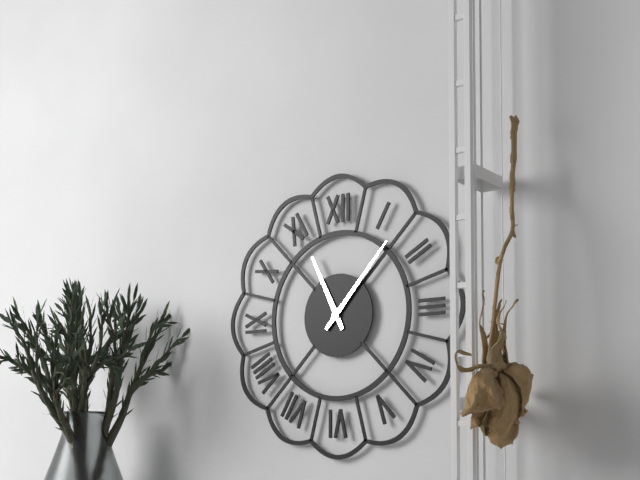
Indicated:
11.07
